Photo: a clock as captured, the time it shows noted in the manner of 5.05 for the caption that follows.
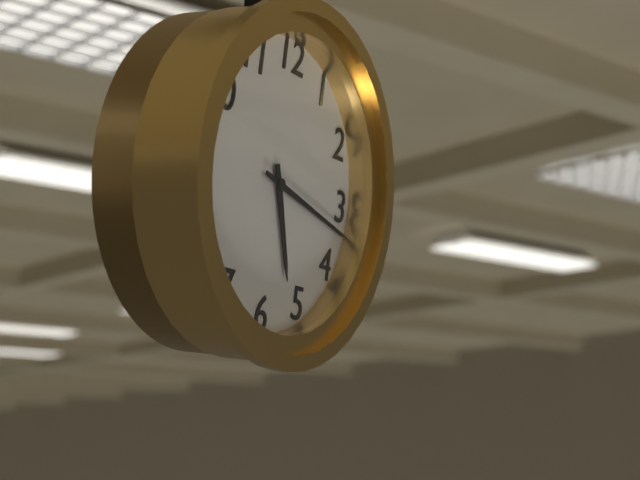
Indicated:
5.17
